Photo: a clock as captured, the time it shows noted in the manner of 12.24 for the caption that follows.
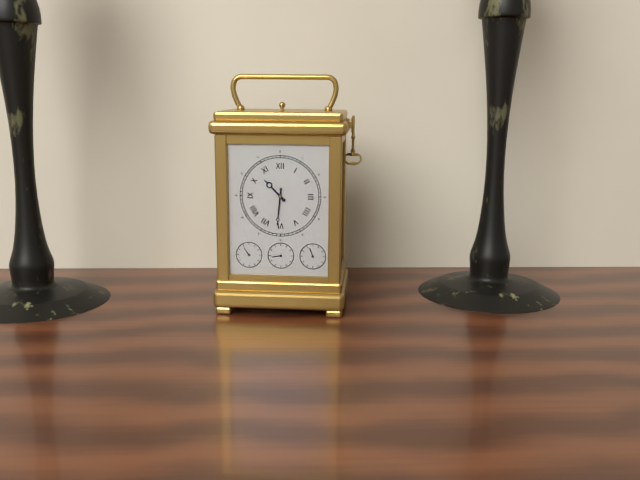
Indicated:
10.31
